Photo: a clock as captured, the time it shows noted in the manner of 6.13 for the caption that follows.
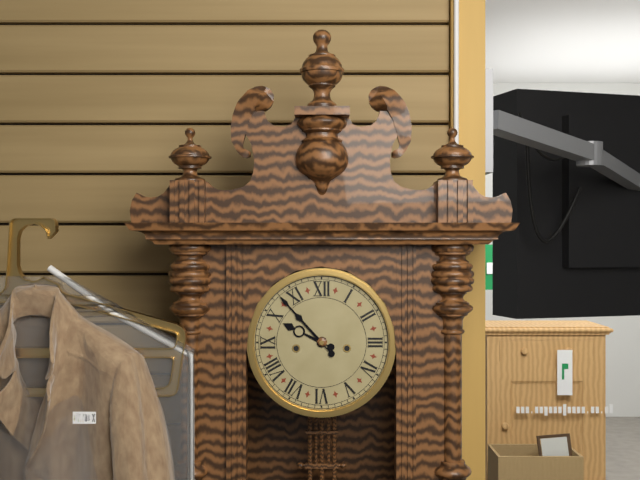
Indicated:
9.53
